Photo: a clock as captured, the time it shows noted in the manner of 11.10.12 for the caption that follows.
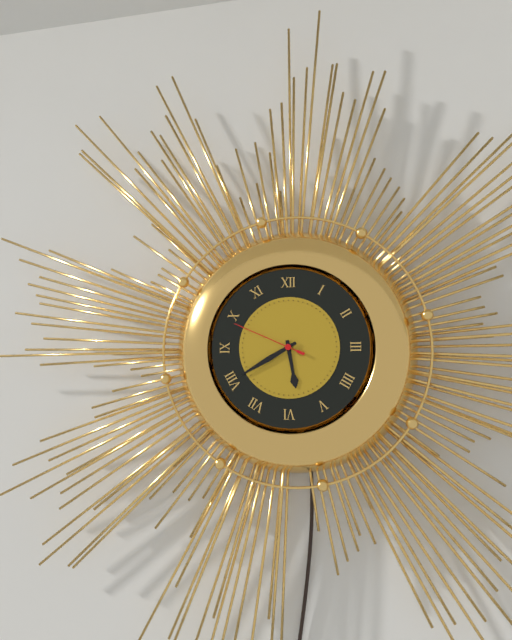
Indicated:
5.40.49
